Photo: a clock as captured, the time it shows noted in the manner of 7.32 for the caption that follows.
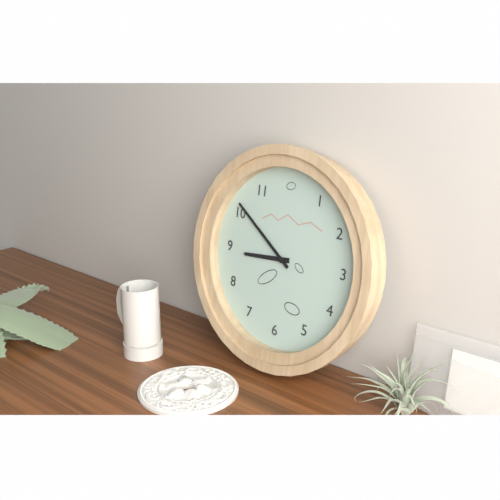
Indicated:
8.51
